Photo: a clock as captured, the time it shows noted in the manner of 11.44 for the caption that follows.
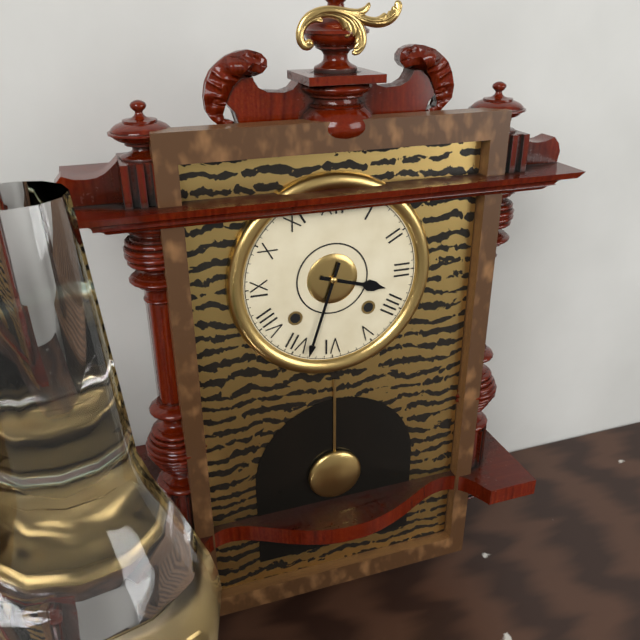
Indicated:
3.33
